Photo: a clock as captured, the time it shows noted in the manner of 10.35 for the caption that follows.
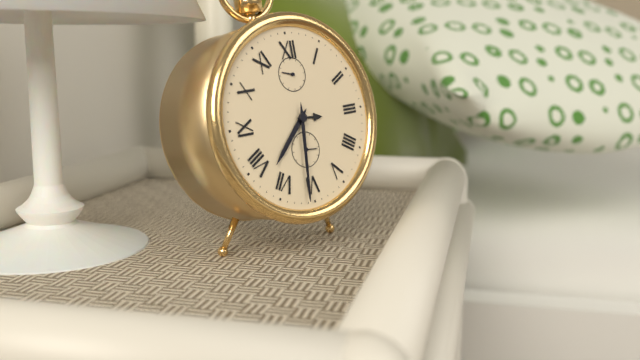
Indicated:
7.31
